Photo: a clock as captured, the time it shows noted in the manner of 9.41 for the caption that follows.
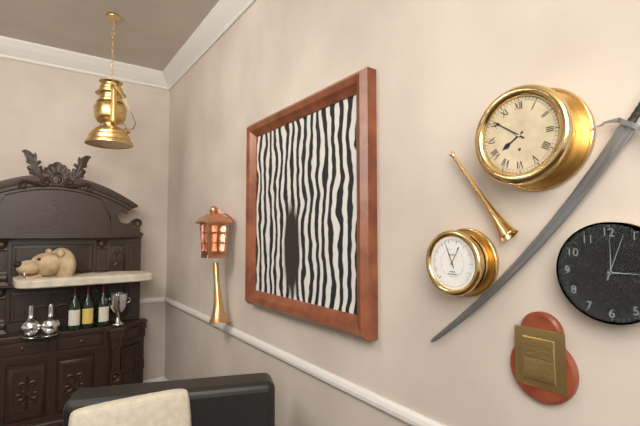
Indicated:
7.51
